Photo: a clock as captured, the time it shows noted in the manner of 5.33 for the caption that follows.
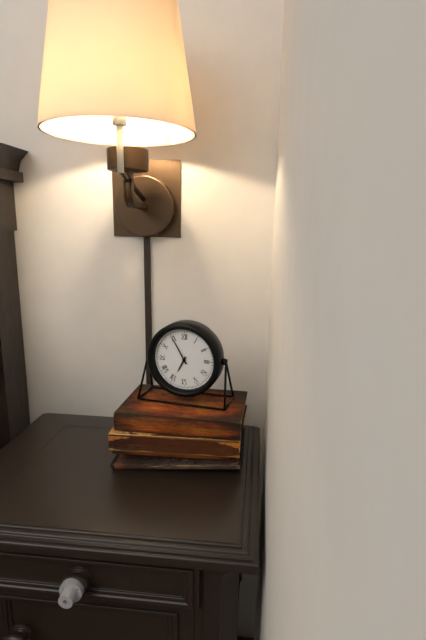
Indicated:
6.55
